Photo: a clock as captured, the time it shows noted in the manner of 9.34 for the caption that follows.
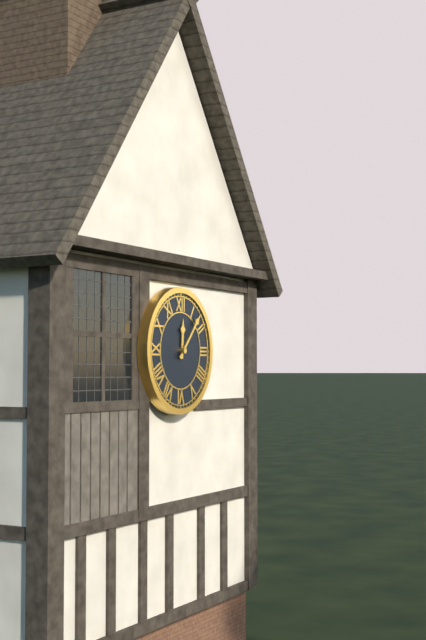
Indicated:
12.07
